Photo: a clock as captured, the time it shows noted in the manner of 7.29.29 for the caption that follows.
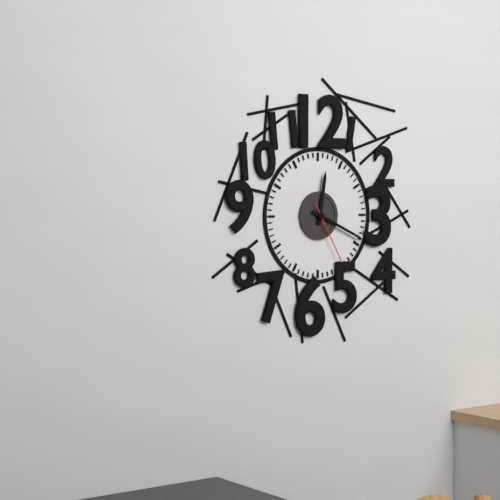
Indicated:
12.19.25
